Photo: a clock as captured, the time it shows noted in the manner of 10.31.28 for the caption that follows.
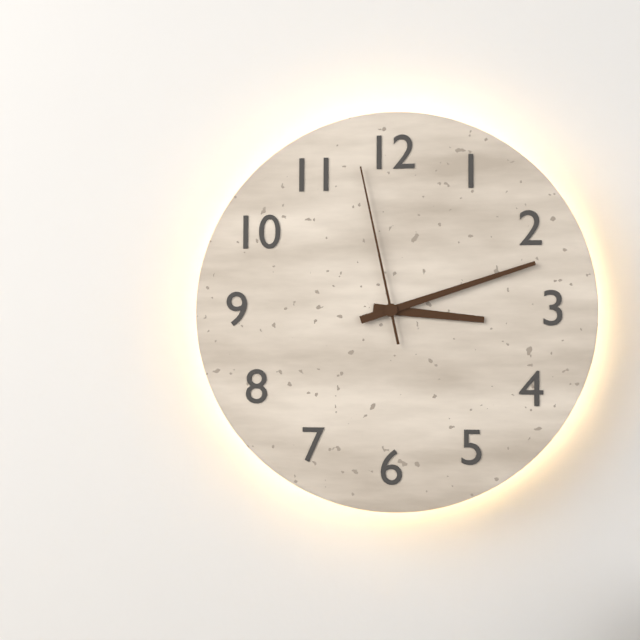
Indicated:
3.12.58
